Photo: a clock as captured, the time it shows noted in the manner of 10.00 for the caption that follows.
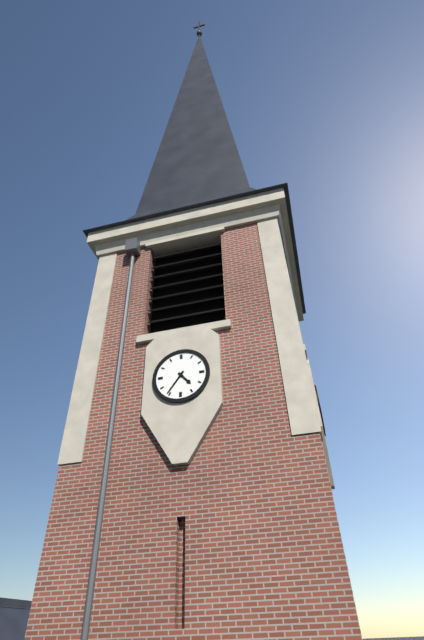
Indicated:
4.36
